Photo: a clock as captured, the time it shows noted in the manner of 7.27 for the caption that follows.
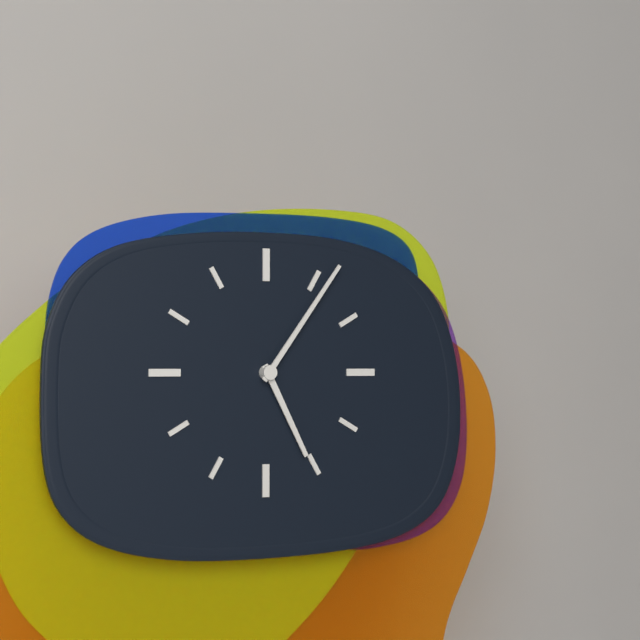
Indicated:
5.06
